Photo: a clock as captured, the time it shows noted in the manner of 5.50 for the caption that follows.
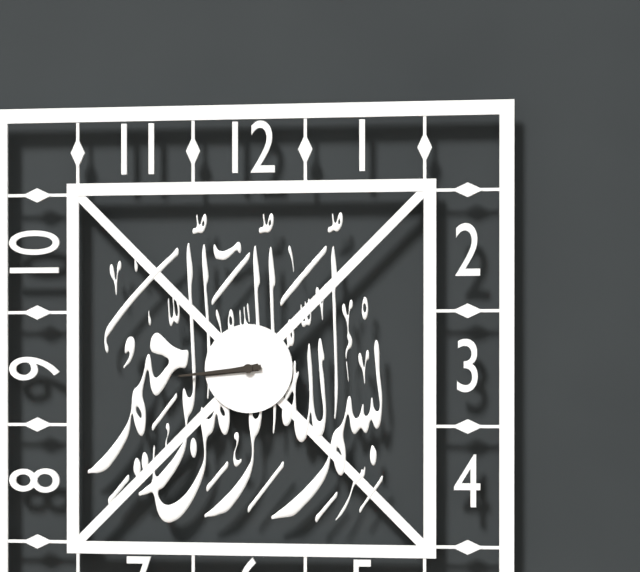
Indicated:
8.44
